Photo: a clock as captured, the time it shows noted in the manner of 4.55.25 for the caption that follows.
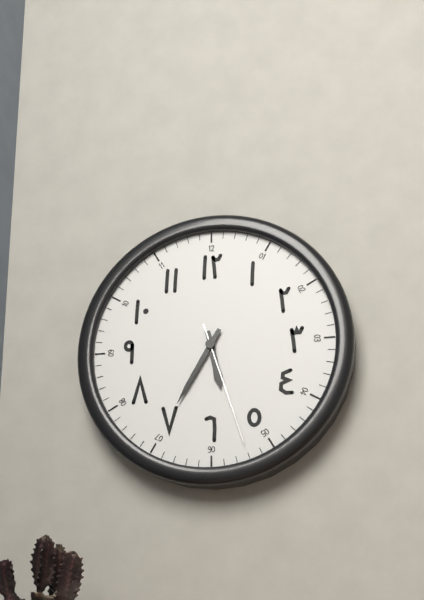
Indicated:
5.35.27
